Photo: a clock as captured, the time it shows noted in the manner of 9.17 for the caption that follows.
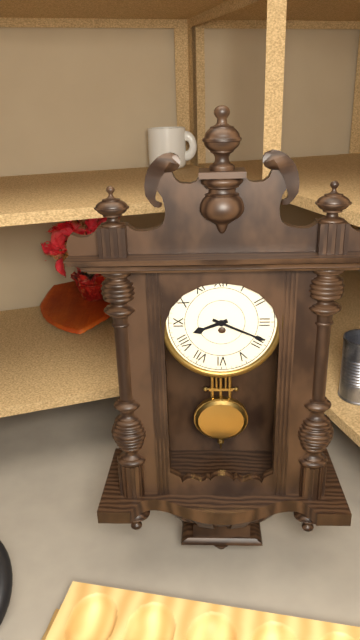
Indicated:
8.19
